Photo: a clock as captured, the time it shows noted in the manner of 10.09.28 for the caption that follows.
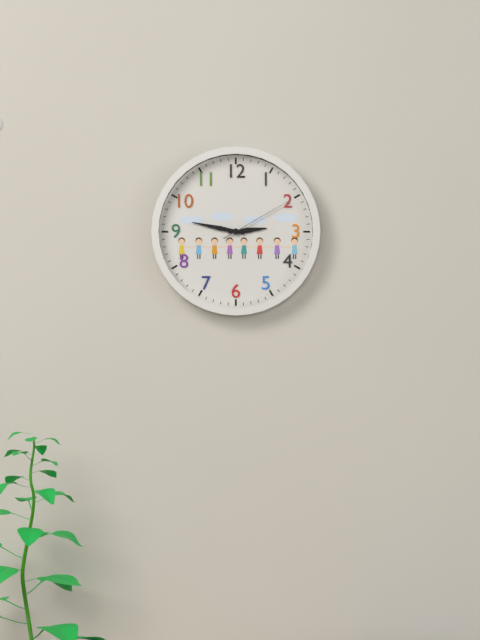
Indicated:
2.47.10
